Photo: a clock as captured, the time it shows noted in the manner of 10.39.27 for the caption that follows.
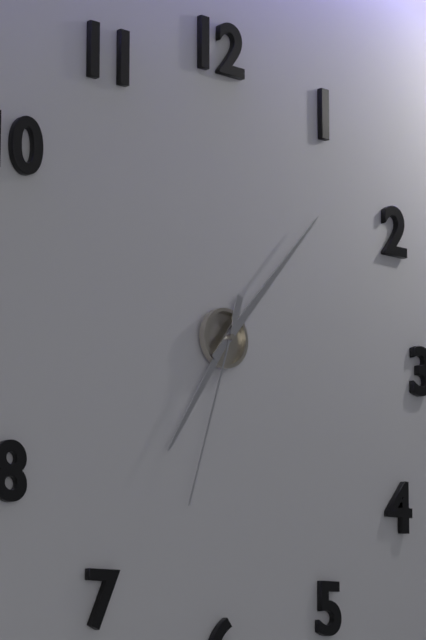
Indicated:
7.07.33
